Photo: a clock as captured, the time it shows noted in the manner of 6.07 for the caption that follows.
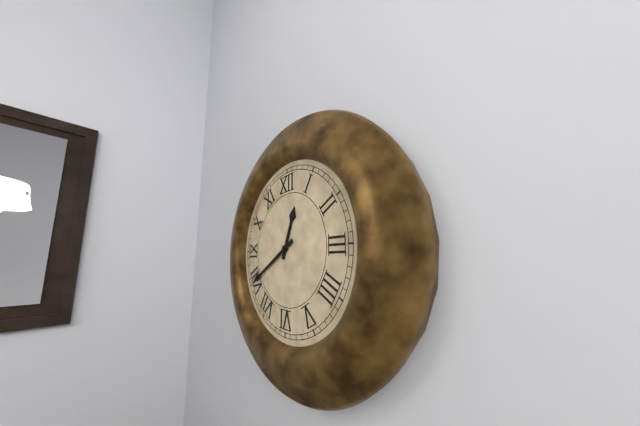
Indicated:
12.40
